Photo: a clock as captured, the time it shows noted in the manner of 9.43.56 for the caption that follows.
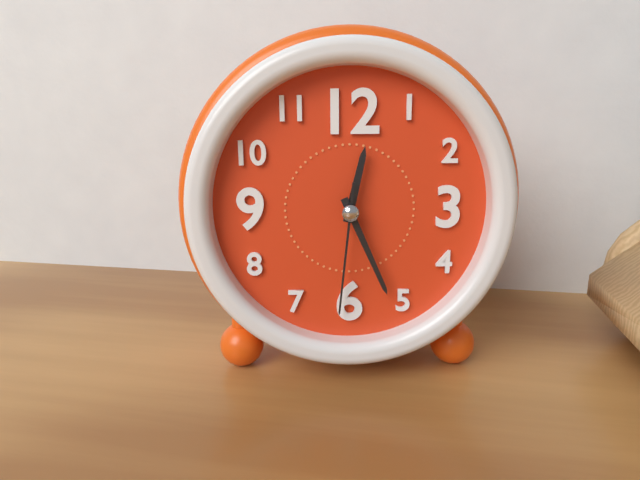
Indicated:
12.26.31
